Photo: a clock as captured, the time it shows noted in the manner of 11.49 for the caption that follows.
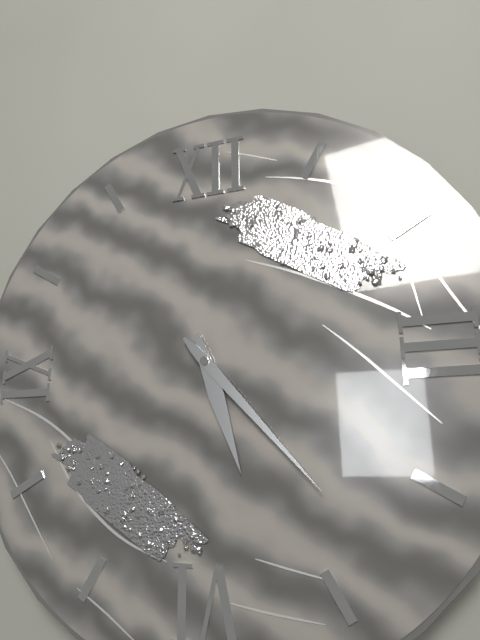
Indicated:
5.23
